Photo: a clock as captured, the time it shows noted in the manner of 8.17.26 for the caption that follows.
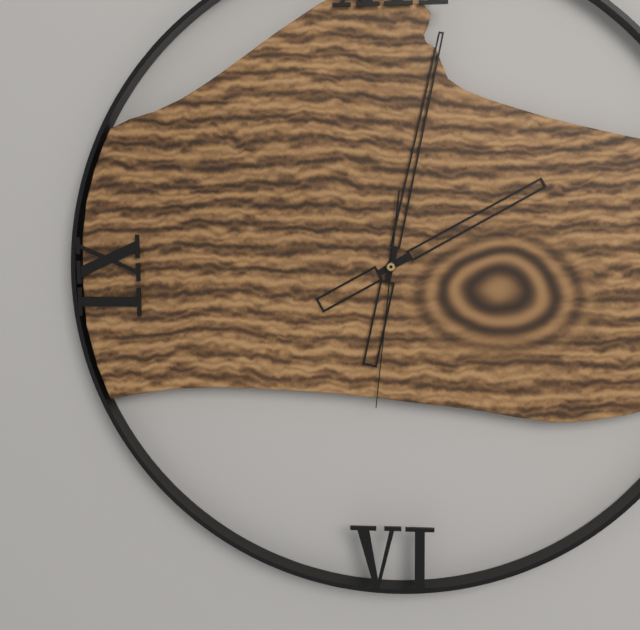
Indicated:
2.02.31
